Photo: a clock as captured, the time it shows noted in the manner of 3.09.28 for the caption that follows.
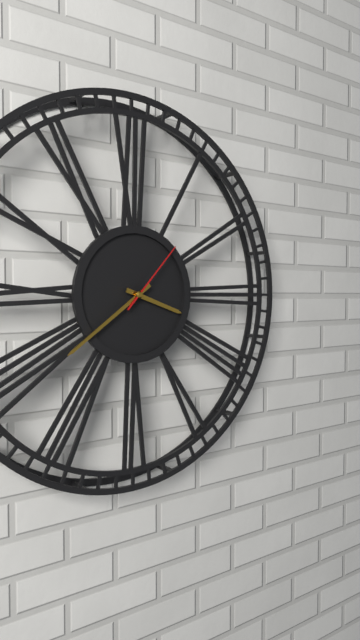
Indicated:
3.39.07
